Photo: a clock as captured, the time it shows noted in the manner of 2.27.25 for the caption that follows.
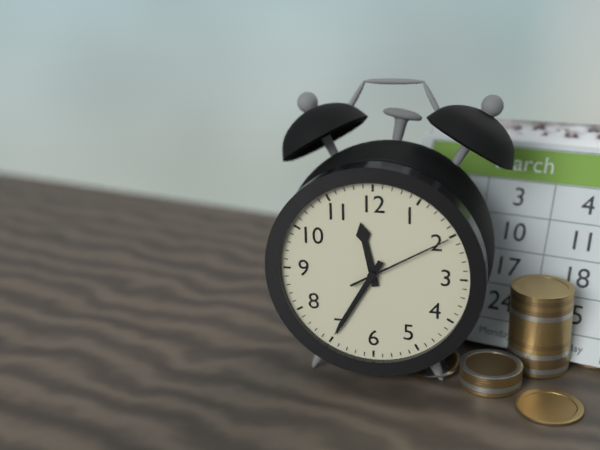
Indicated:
11.35.10
